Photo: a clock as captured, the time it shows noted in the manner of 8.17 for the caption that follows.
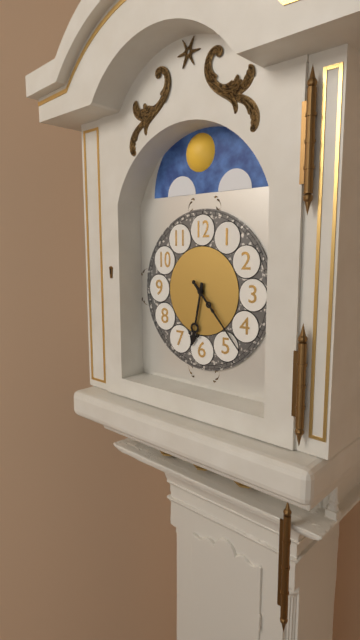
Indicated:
6.23
